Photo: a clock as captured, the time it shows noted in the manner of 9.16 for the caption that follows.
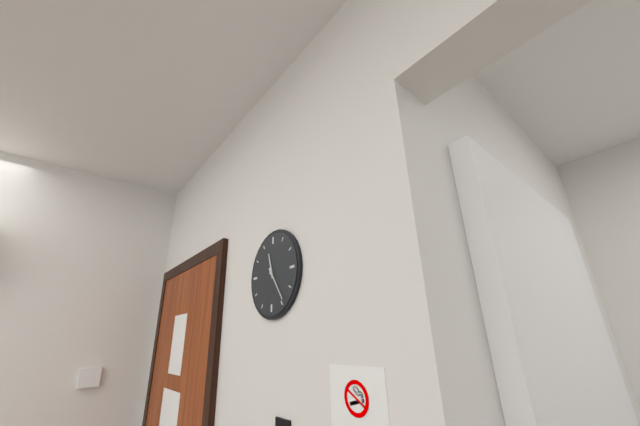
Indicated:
11.24
